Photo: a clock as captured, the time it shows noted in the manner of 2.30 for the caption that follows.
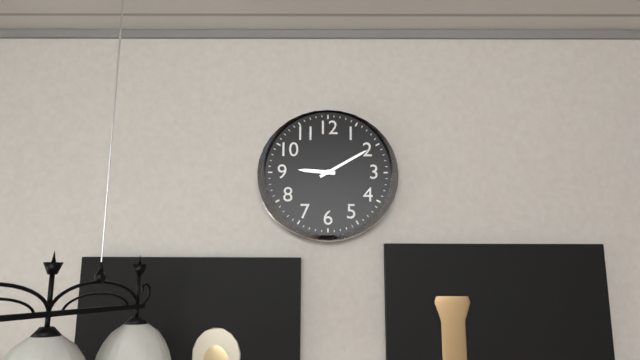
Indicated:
9.10
